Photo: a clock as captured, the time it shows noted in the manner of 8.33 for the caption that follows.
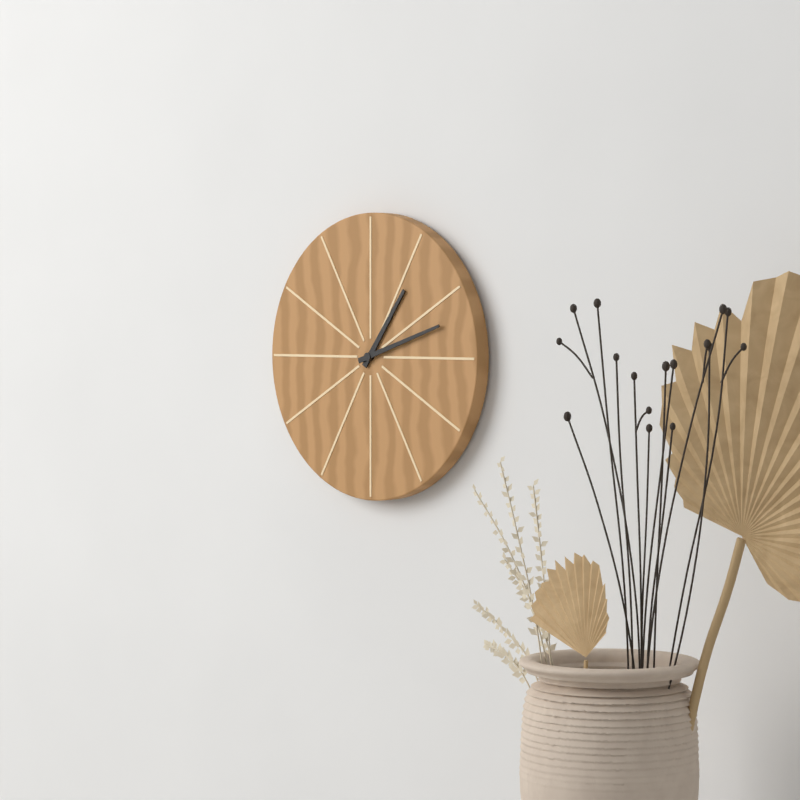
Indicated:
1.12
